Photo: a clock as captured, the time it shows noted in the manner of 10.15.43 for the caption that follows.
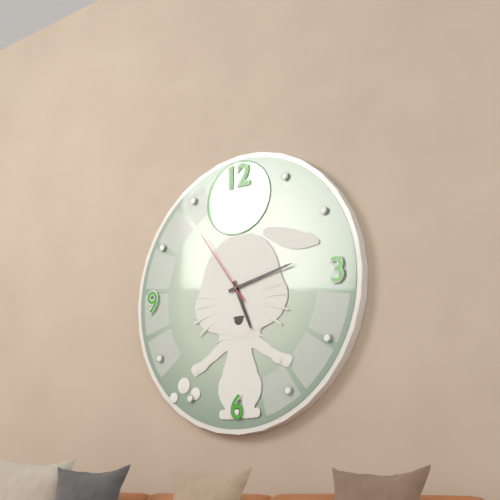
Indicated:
5.13.54
